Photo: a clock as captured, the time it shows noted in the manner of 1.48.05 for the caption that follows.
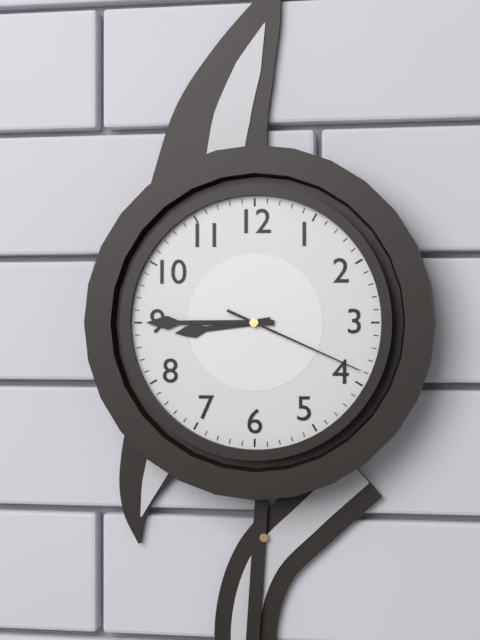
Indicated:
8.45.19
